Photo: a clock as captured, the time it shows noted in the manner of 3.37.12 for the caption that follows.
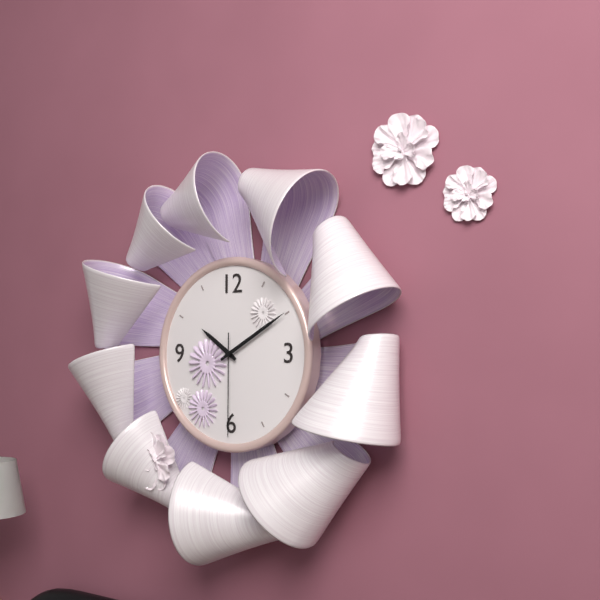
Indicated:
10.10.30
